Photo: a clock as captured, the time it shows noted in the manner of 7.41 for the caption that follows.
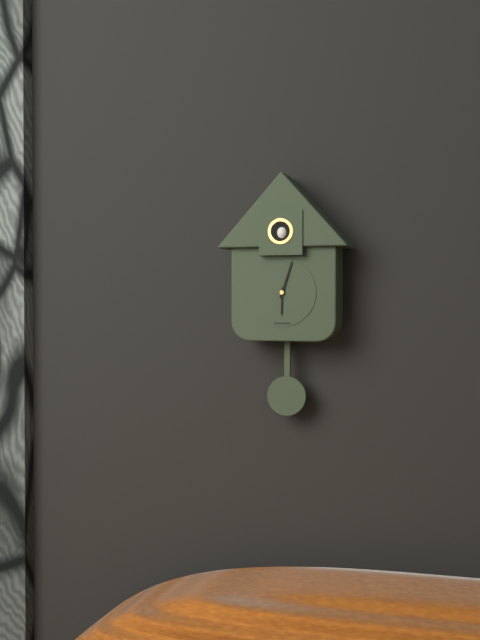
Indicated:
6.03
